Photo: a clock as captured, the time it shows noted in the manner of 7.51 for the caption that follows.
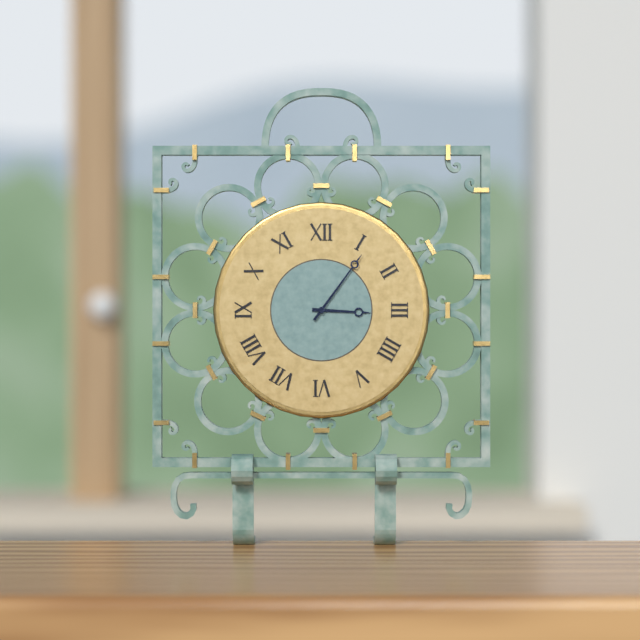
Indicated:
3.06
